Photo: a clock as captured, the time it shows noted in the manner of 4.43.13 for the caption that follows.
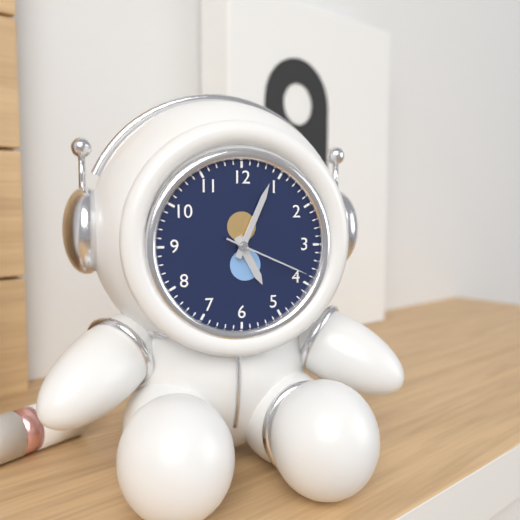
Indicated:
5.04.19
